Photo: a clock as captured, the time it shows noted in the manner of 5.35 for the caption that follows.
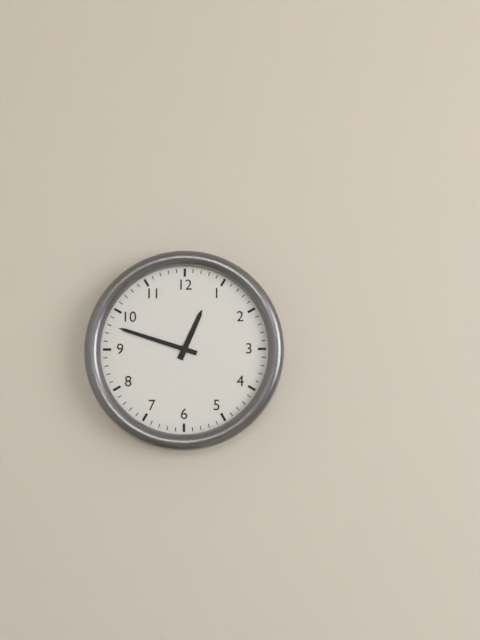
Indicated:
12.48
